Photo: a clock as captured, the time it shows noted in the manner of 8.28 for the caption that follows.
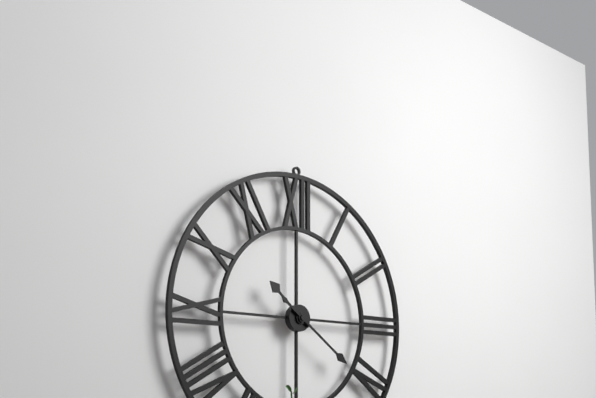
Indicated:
10.21
